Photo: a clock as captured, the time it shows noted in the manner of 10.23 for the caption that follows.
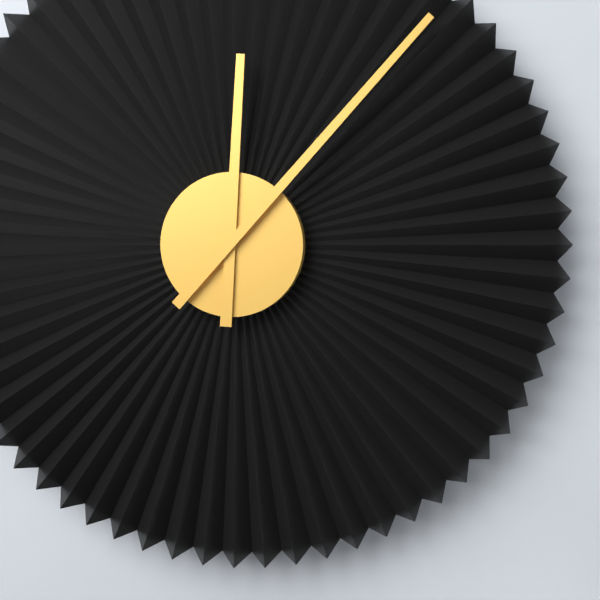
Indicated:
12.07
